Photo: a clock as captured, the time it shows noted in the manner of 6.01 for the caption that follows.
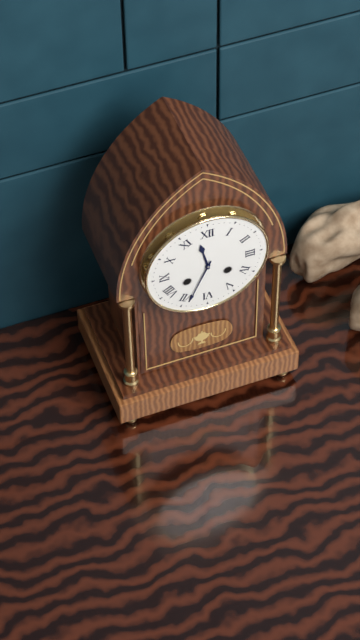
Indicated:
11.34
